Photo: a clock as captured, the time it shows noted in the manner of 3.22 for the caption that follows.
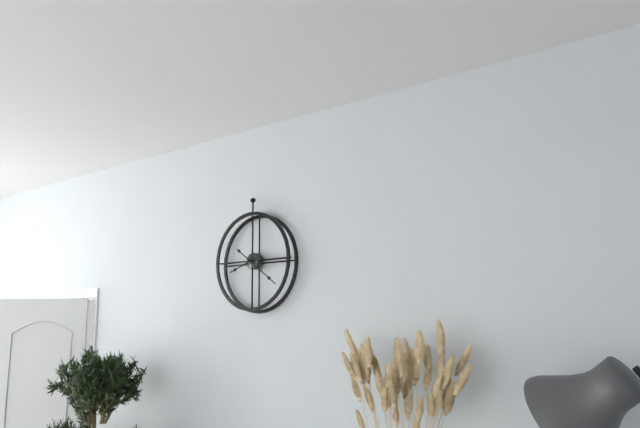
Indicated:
8.21
